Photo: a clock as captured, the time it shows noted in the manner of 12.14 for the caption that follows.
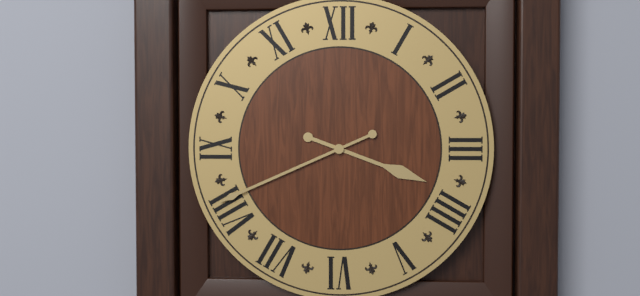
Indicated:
3.41
